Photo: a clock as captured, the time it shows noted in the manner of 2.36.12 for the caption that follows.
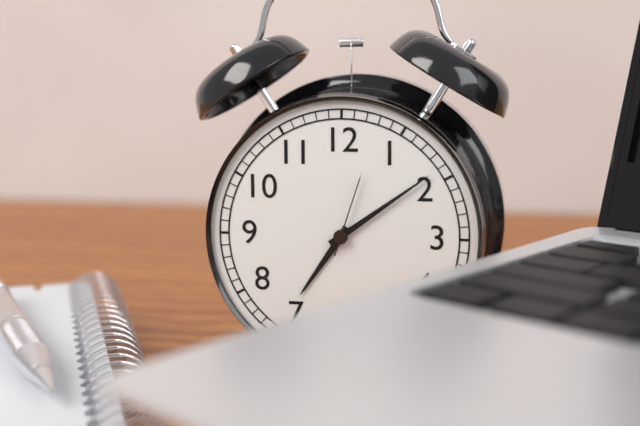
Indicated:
7.09.03
